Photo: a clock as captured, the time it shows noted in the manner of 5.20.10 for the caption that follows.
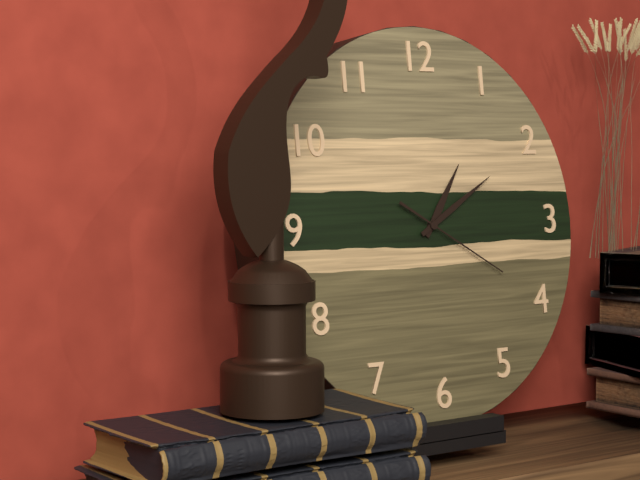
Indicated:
1.10.20
